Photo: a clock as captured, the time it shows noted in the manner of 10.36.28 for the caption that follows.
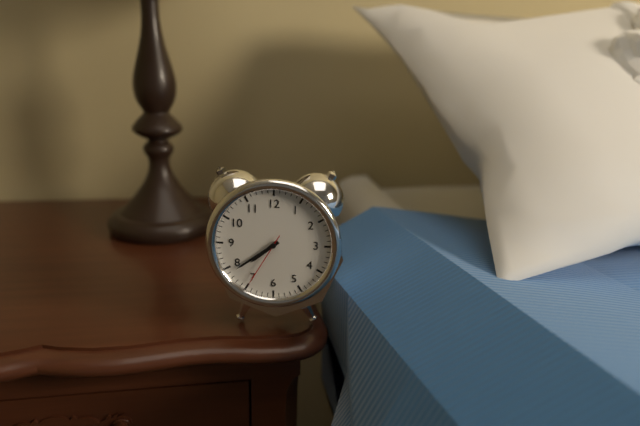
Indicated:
7.39.35
